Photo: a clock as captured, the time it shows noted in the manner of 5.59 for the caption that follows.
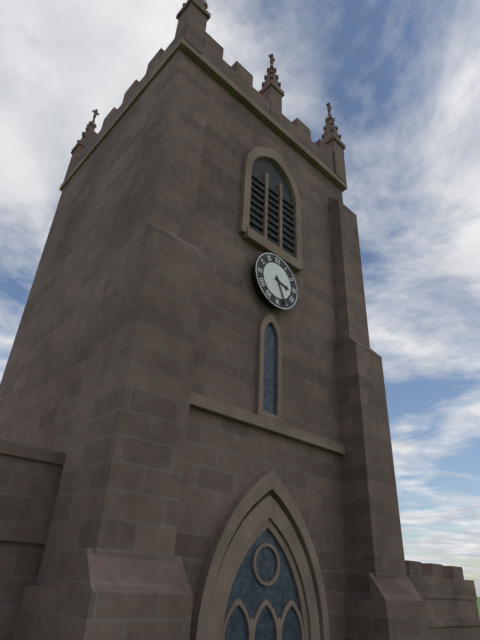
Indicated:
3.26
